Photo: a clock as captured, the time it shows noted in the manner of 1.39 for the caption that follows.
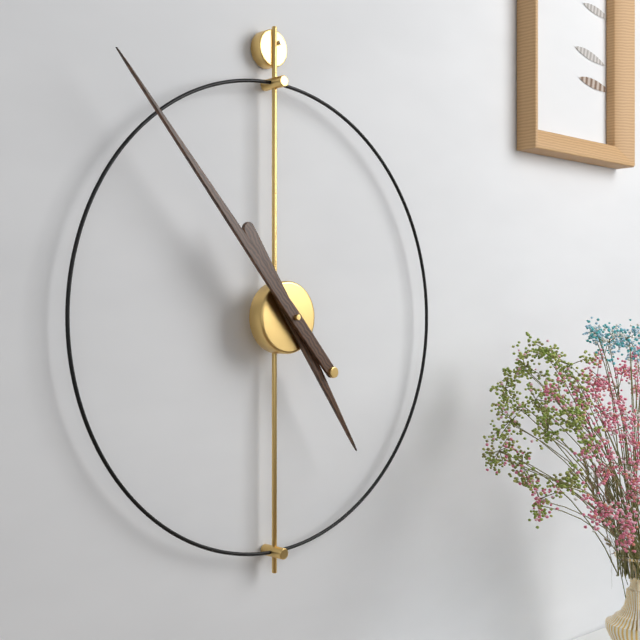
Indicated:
4.53
